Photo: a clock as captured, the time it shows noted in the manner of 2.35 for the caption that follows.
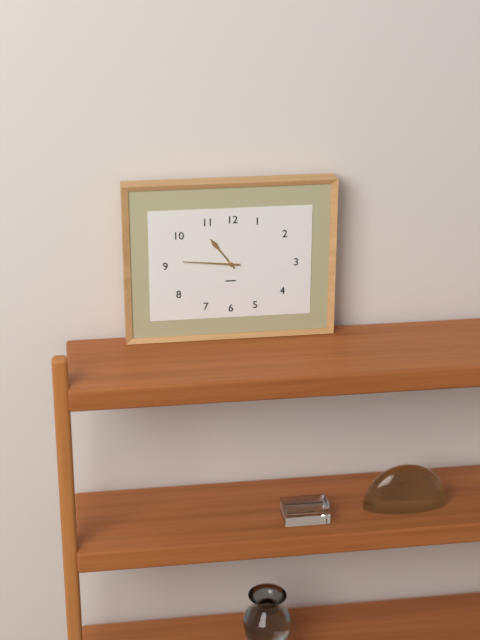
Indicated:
10.46
